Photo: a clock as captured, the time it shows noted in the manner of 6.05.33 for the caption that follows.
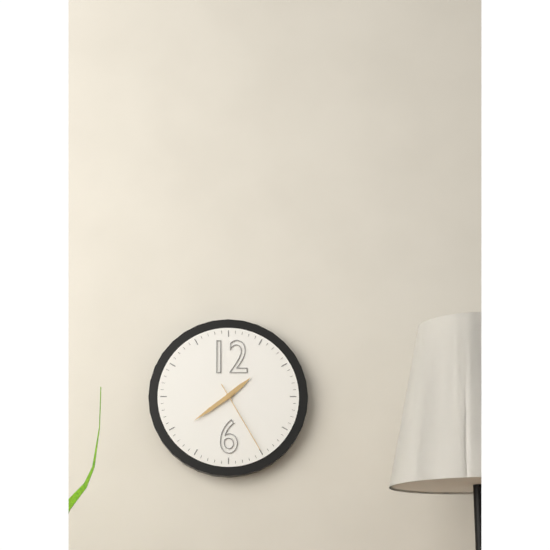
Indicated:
1.39.25
